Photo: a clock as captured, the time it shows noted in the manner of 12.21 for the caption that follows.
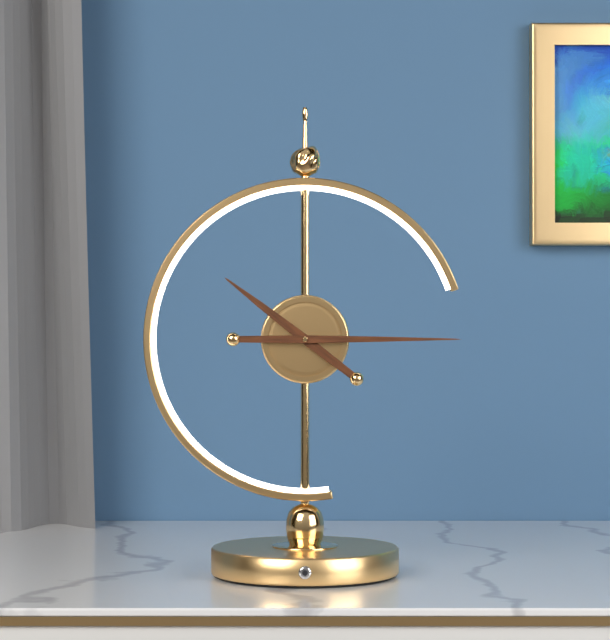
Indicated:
10.15
